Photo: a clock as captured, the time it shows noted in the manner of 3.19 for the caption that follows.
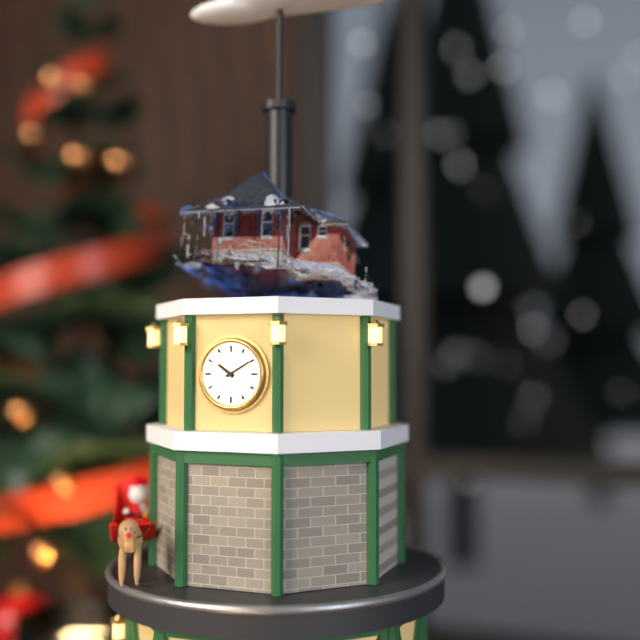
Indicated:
10.10
